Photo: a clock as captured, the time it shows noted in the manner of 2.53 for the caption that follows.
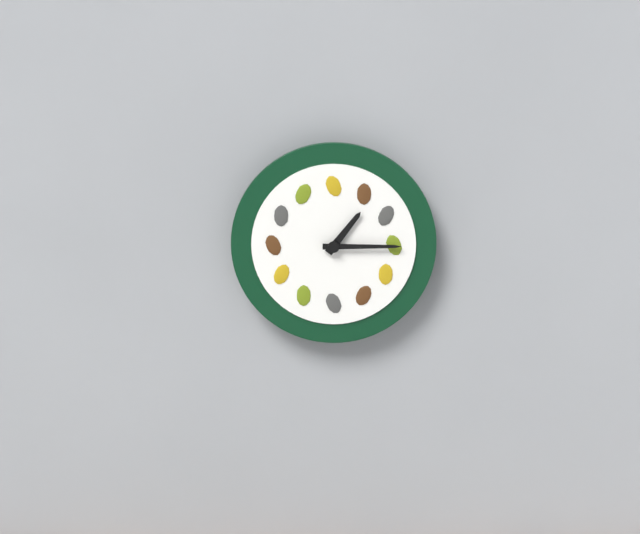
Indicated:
1.15
